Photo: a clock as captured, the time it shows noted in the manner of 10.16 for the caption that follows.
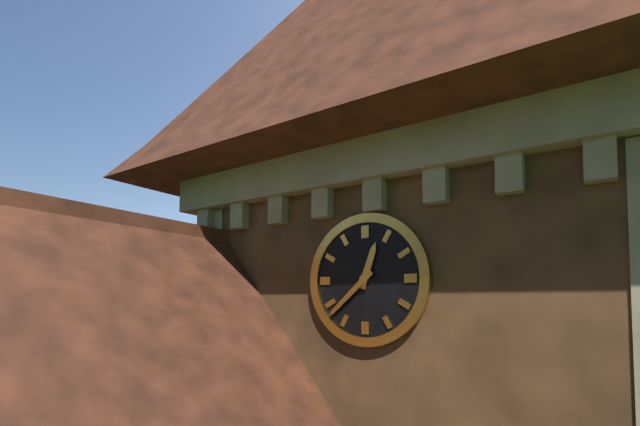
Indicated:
12.38
